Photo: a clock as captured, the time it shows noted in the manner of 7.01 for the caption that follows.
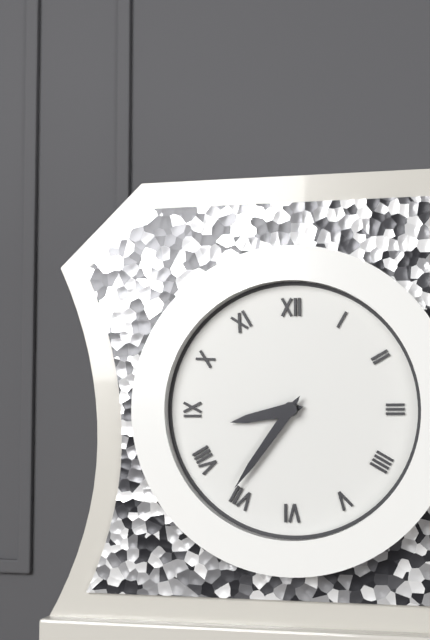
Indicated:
8.36
